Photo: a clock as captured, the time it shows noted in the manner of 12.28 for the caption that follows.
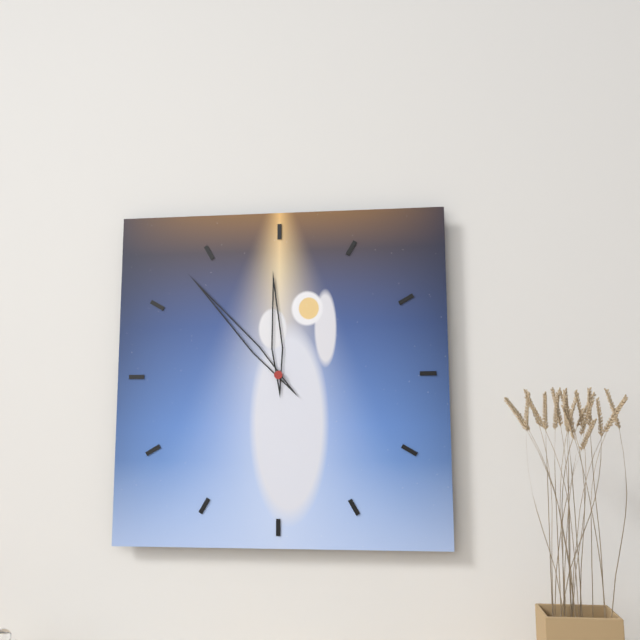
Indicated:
11.53
